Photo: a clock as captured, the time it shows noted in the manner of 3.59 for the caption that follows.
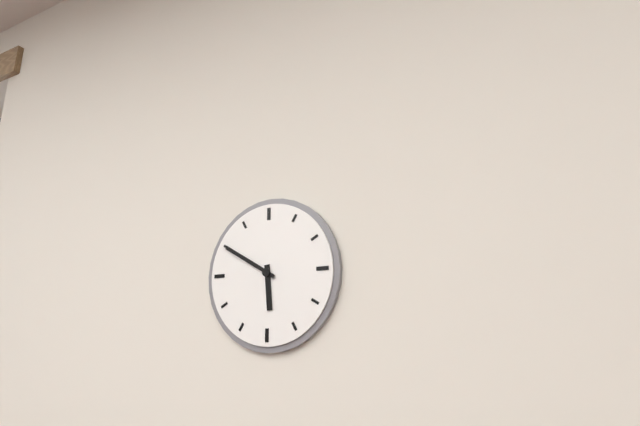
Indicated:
5.50
